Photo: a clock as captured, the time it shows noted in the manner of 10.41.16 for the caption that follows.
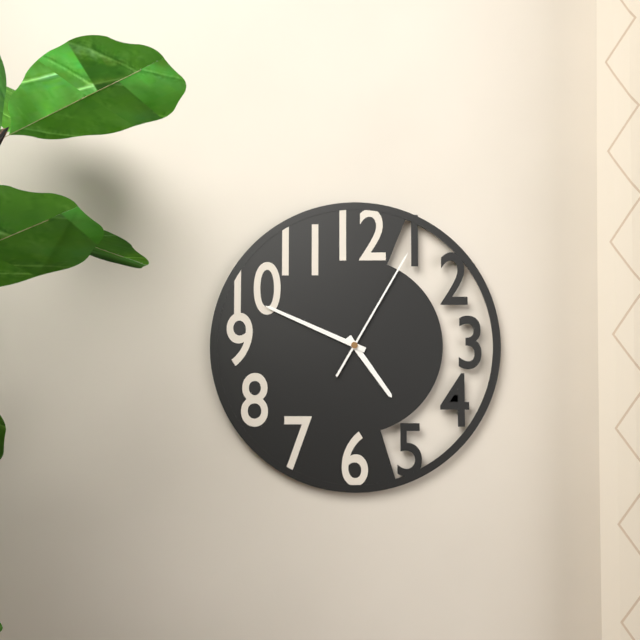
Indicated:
4.49.05
